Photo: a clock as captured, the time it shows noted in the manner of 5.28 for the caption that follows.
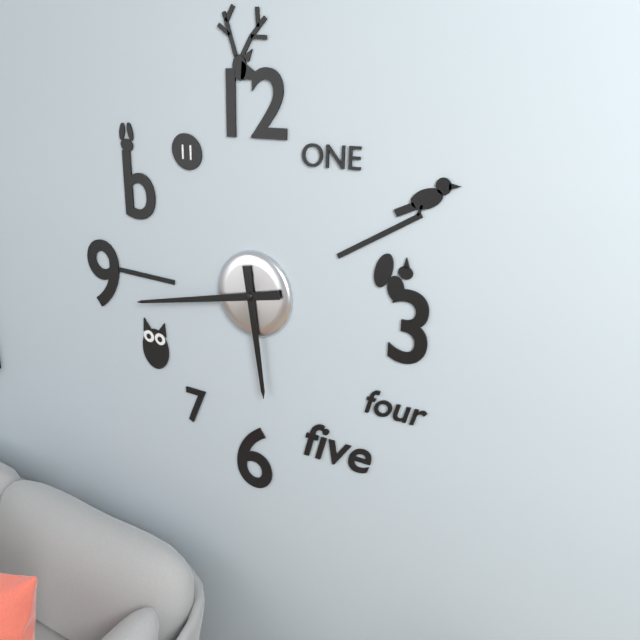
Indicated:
5.43
